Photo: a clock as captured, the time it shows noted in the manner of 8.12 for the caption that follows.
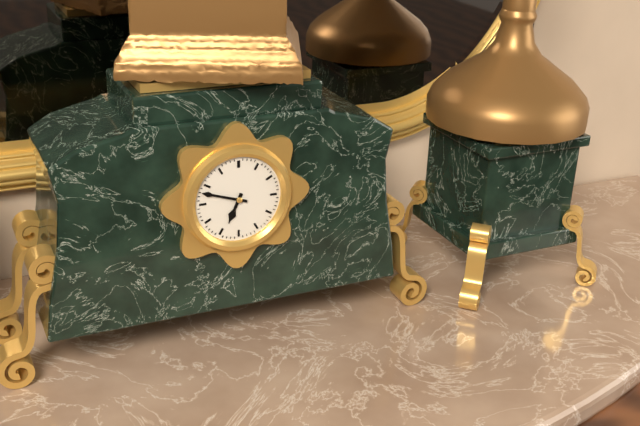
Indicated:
6.48
